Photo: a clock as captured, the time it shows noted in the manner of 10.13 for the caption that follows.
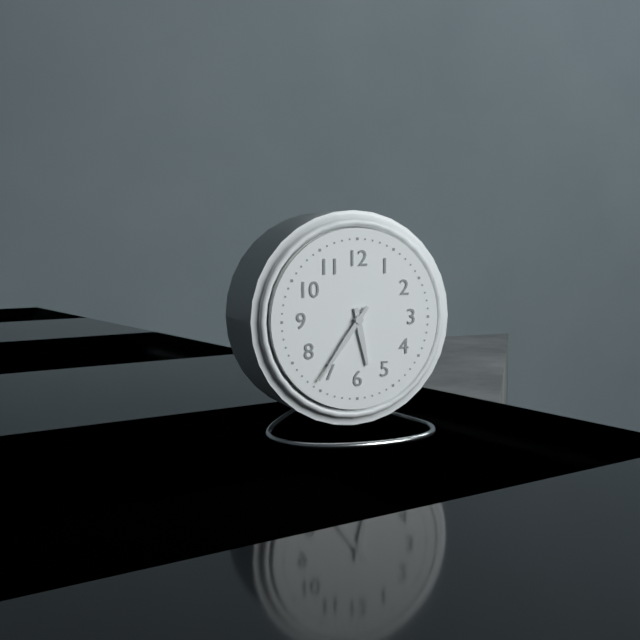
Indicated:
5.36
